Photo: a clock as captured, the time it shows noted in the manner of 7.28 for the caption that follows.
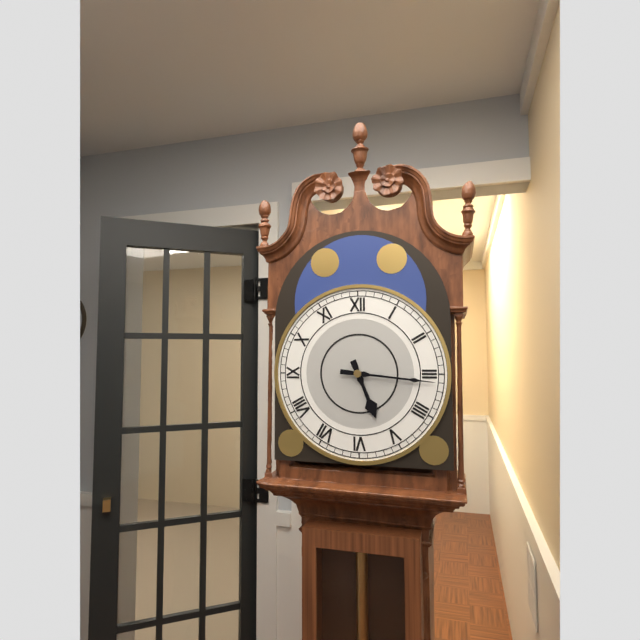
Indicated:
5.16
